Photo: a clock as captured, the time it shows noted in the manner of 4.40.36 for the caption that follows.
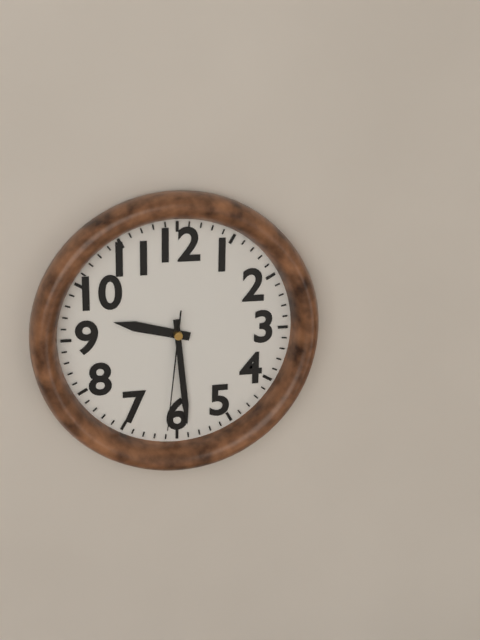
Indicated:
9.29.31
